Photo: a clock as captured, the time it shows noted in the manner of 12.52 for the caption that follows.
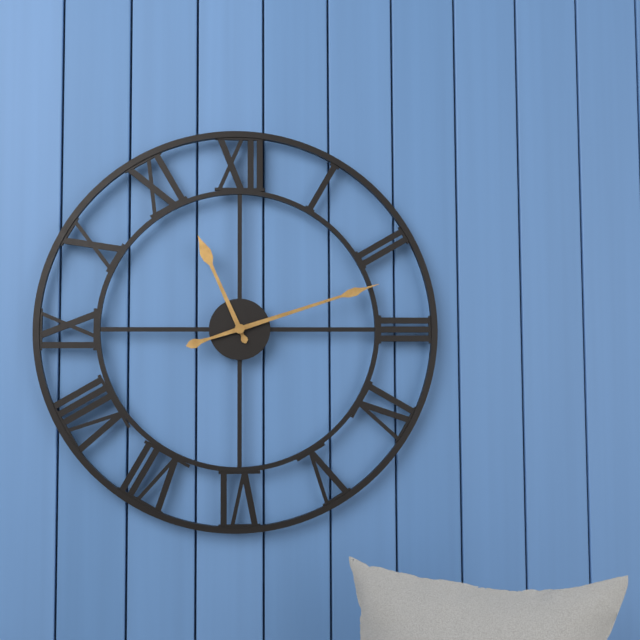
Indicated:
11.12
